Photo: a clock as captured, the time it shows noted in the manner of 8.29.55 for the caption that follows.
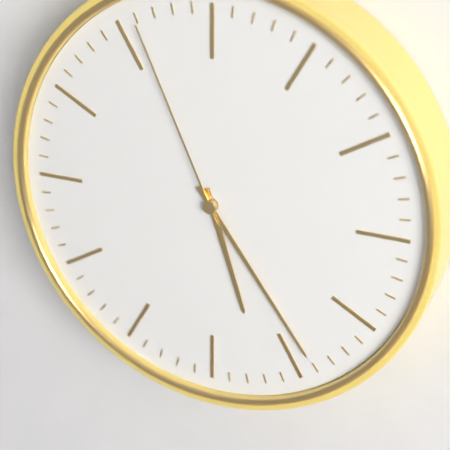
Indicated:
5.24.56
